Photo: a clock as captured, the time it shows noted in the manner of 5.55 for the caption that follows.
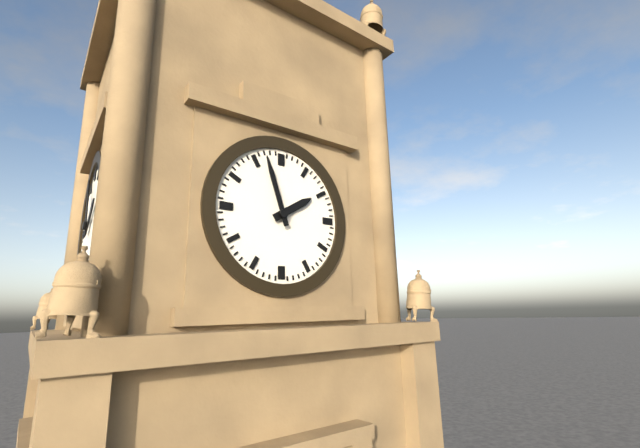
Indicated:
1.57
